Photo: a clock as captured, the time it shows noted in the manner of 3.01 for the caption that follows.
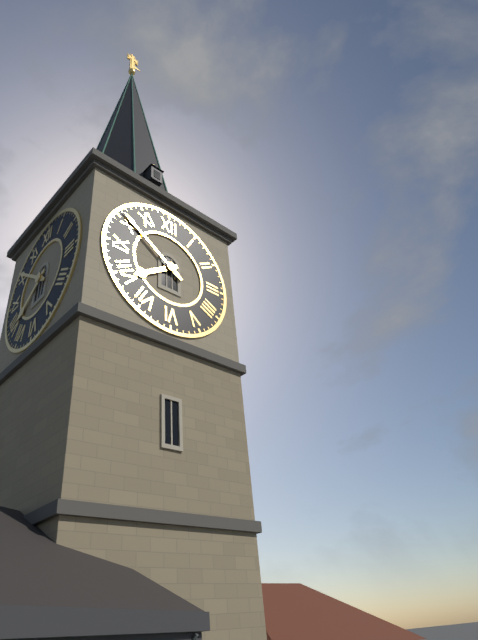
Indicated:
7.51
